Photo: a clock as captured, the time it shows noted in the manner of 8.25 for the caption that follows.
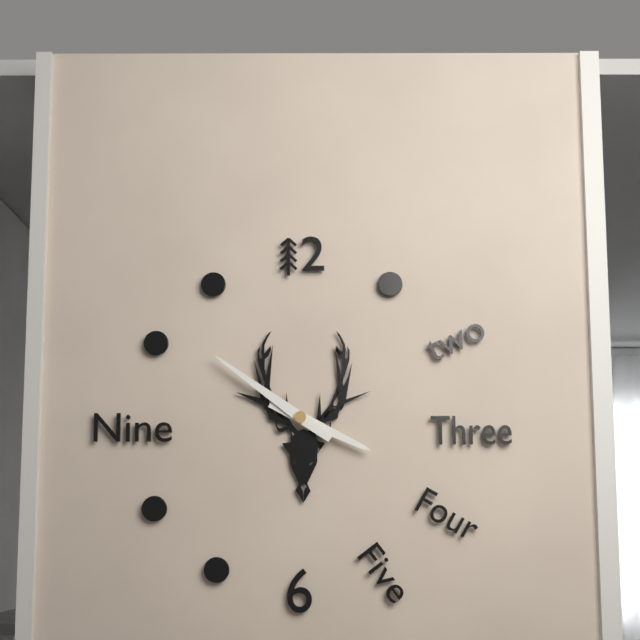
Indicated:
3.51
